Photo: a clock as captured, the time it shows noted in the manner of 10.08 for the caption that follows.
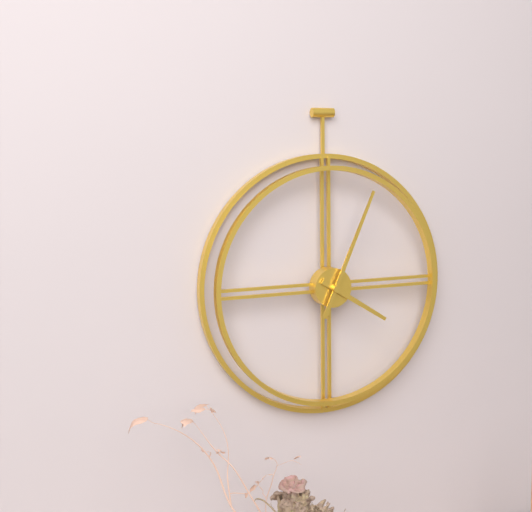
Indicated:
4.04
